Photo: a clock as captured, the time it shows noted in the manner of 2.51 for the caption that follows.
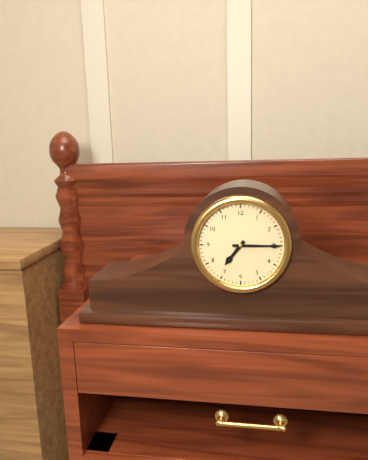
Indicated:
7.15
